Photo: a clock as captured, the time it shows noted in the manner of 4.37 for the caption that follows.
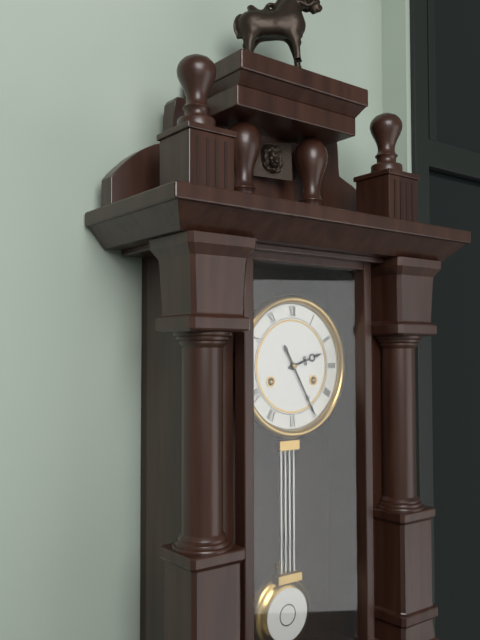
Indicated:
2.25
